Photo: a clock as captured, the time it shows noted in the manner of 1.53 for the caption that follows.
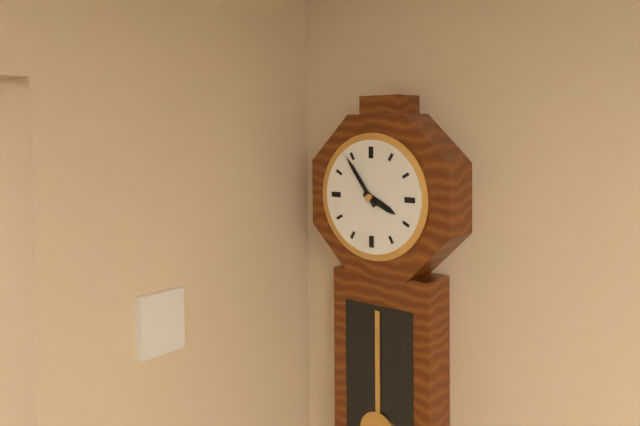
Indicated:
3.54
